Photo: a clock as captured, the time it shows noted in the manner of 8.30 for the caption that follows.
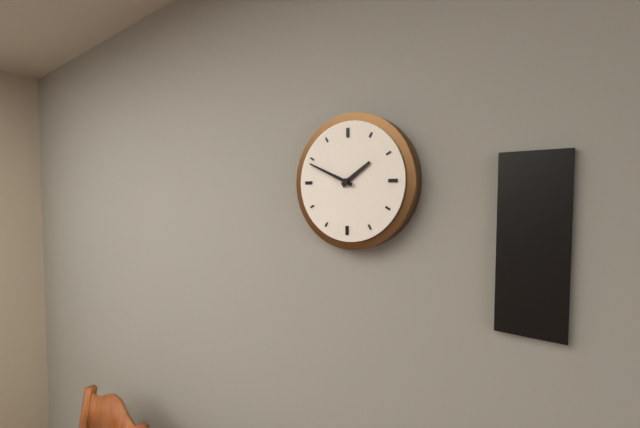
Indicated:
1.49
